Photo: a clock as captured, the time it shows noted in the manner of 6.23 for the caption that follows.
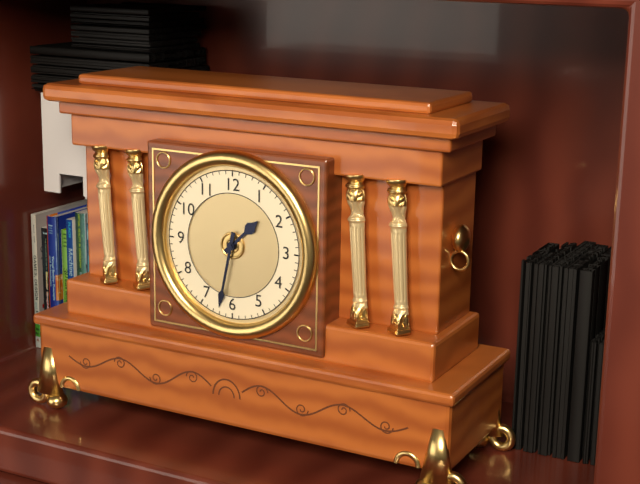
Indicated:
1.32
